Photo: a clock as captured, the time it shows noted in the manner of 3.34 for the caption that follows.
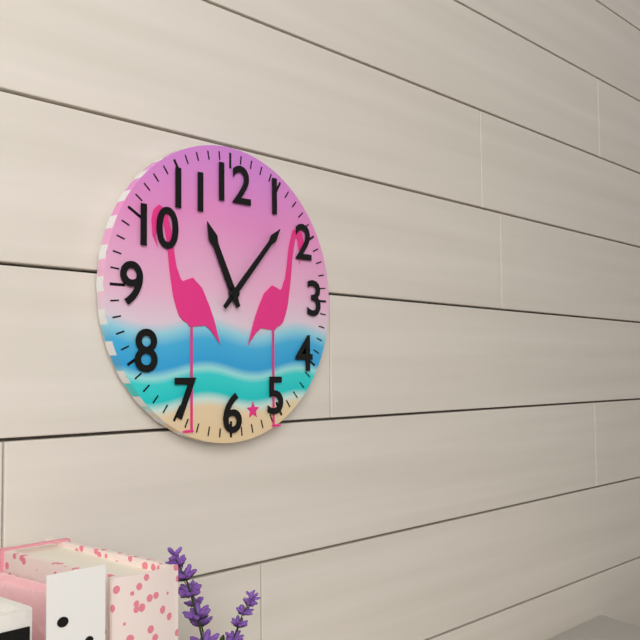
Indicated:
11.07
